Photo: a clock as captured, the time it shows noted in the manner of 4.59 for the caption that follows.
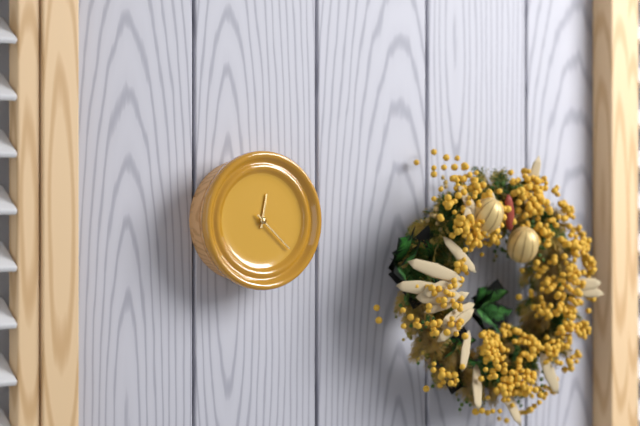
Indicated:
12.22
